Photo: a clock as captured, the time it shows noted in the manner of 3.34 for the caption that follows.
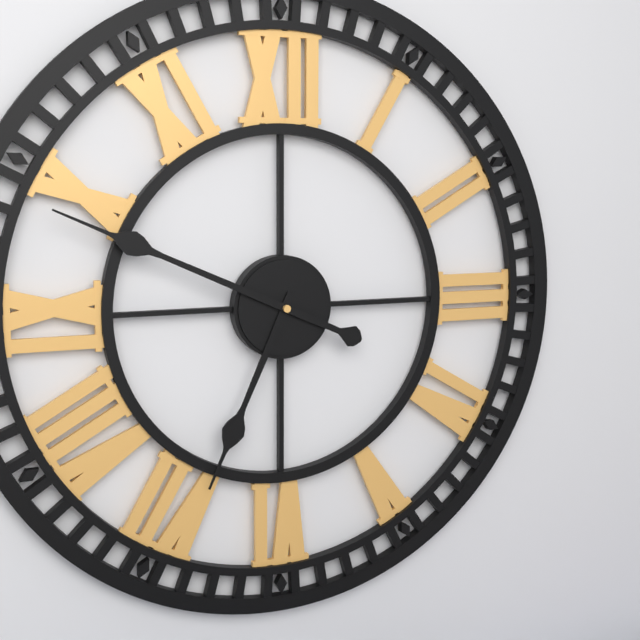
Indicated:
6.49
